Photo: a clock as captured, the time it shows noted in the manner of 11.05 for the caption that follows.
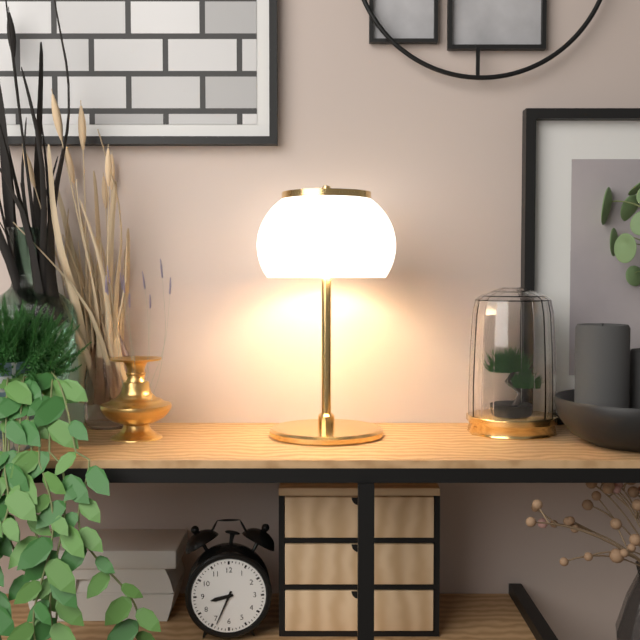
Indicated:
8.34
